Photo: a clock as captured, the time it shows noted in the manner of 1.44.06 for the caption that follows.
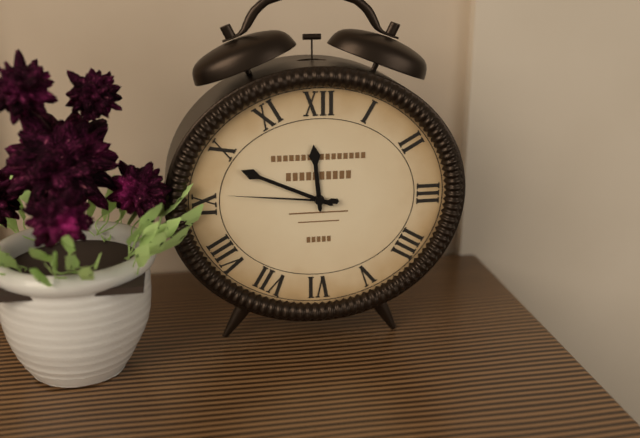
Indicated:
11.49.46
